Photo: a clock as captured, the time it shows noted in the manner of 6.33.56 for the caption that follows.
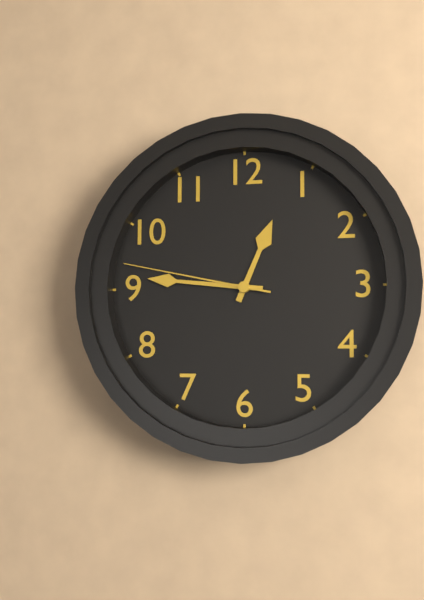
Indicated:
12.46.47
